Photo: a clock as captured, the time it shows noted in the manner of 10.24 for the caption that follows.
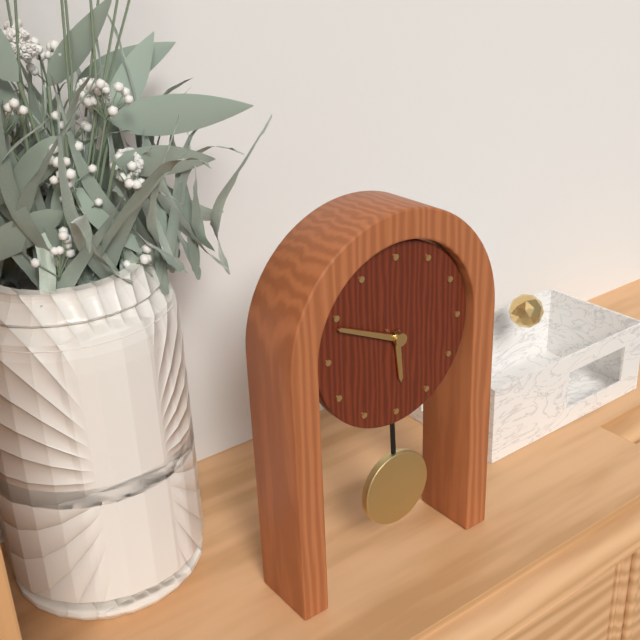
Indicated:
5.49
